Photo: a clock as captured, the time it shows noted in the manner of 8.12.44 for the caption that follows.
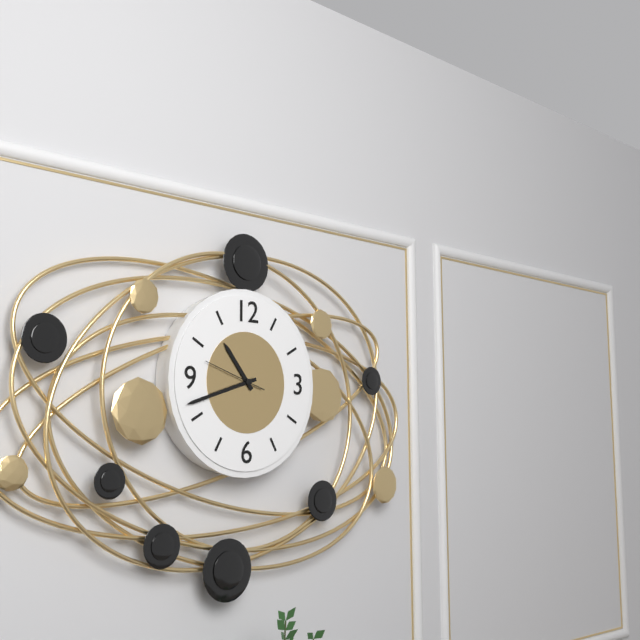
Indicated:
10.42.48
